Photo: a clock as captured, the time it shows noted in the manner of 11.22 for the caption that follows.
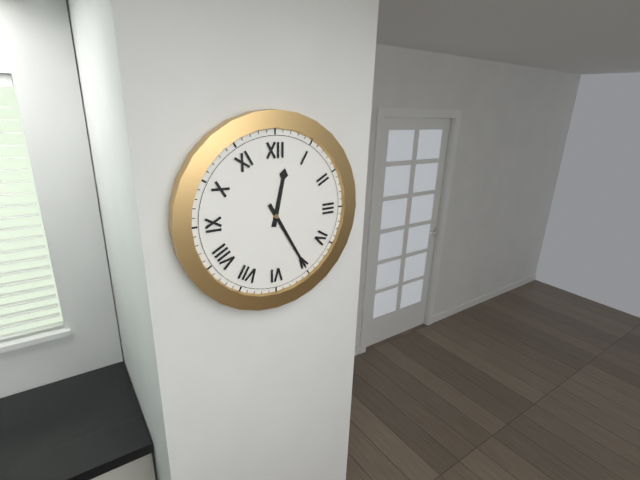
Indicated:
12.25
